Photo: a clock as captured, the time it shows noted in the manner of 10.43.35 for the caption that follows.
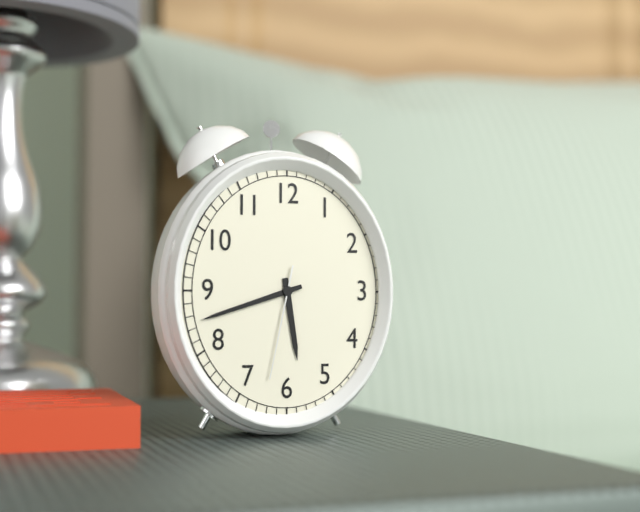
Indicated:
5.42.32
